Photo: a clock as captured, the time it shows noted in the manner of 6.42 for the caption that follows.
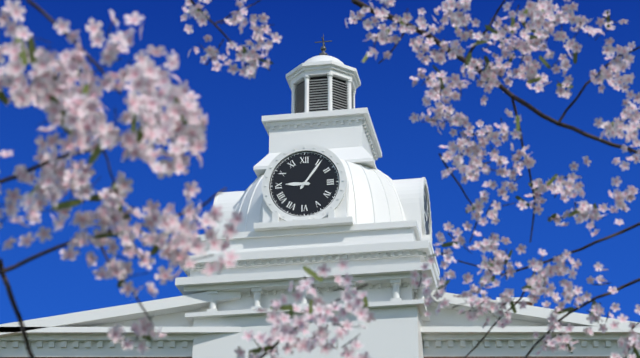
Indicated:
9.06
